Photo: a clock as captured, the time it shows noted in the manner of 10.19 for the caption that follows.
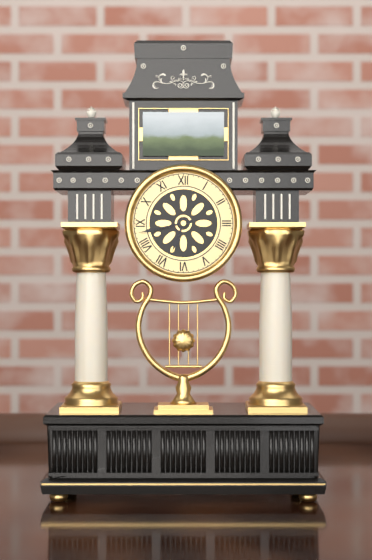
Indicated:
6.43
